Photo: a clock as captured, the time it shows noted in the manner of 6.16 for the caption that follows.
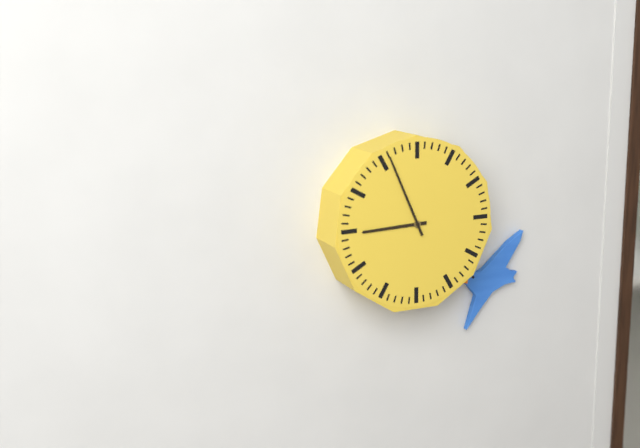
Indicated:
8.56
